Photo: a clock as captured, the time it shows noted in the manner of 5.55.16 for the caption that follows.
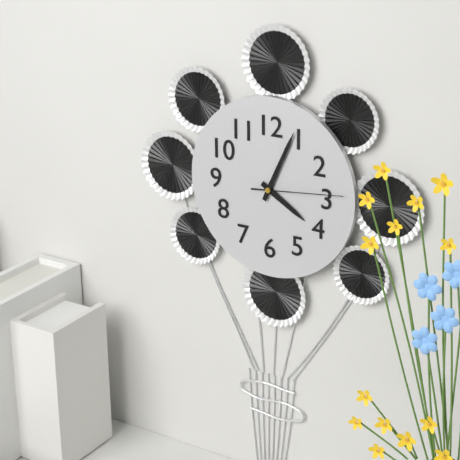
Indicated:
4.04.14
